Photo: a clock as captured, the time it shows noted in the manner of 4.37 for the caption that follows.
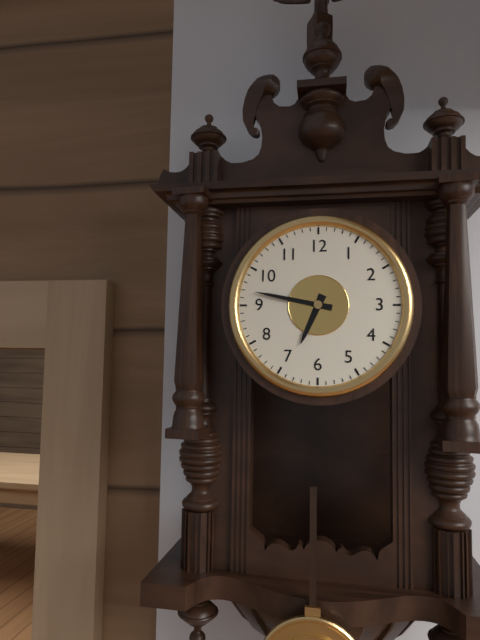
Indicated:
6.47
